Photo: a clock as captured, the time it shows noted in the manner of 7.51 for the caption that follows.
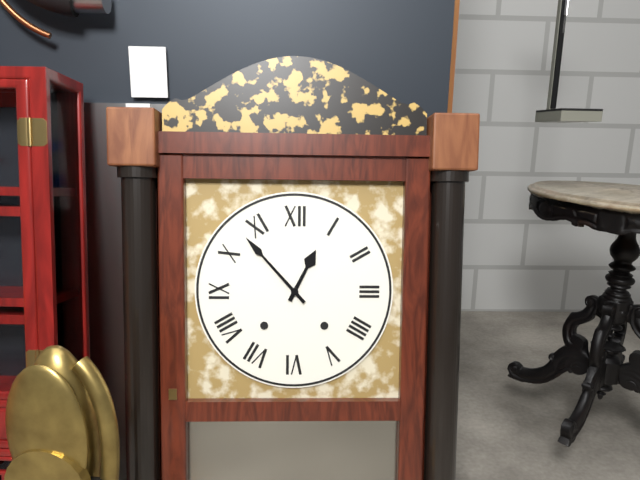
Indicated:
12.53
